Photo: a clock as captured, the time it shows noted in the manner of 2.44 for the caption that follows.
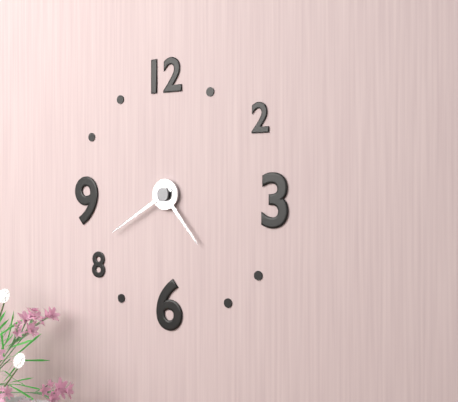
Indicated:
4.40
